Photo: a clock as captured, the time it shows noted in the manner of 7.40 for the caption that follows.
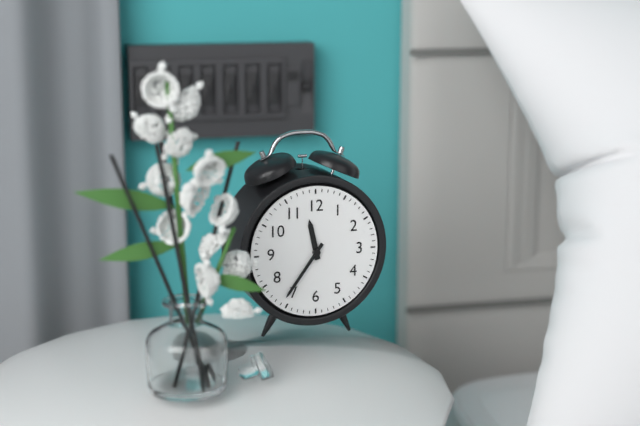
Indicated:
11.36
